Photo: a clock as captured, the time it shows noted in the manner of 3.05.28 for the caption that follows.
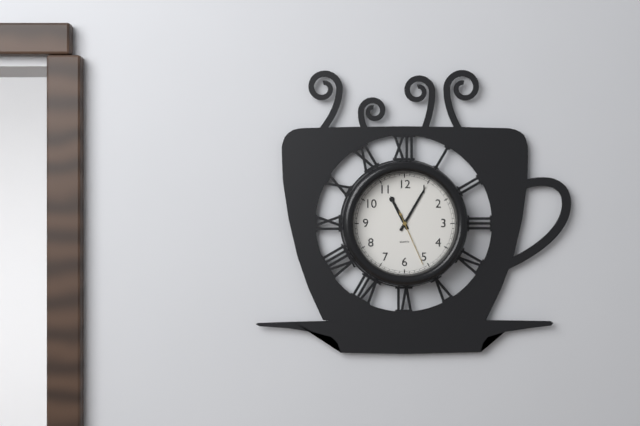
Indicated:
11.05.26
